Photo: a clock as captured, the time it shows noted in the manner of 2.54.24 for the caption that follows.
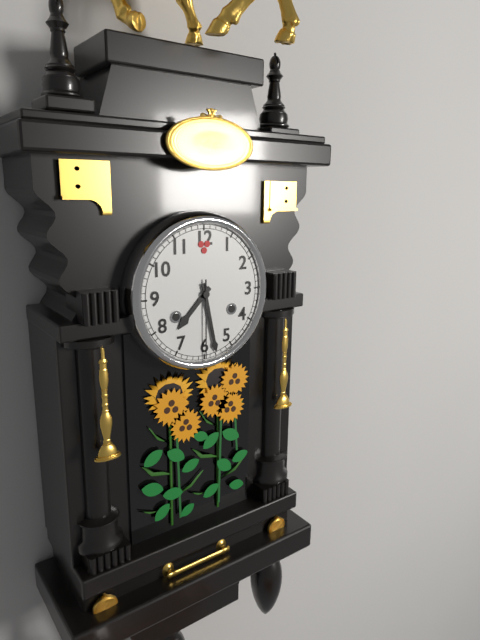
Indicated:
7.28.30
